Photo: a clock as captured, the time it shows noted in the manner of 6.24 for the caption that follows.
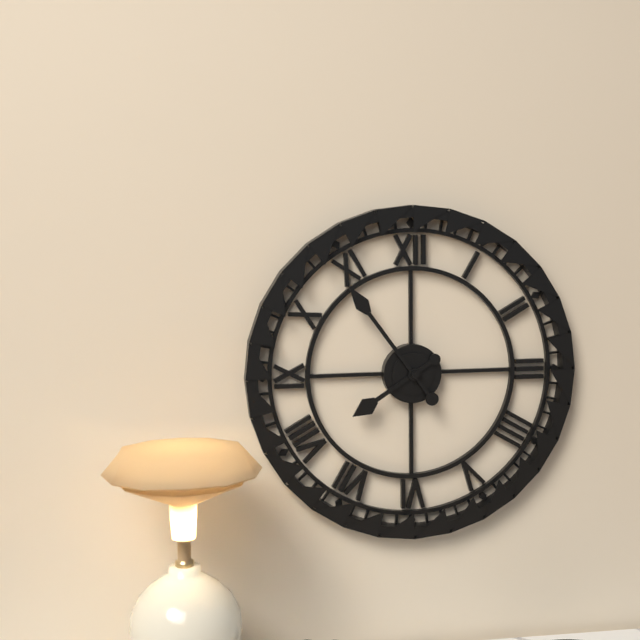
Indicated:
7.54
